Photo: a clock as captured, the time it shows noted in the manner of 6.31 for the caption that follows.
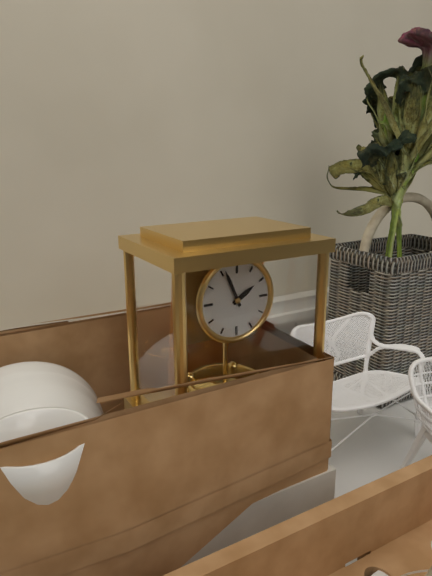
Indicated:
1.56
